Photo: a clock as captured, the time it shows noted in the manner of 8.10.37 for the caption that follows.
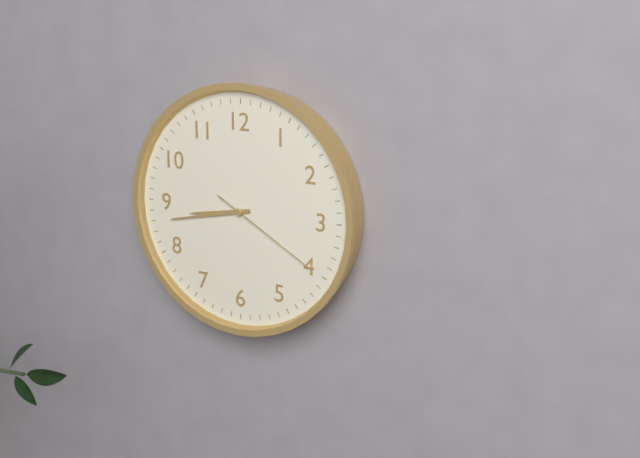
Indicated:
8.43.20
